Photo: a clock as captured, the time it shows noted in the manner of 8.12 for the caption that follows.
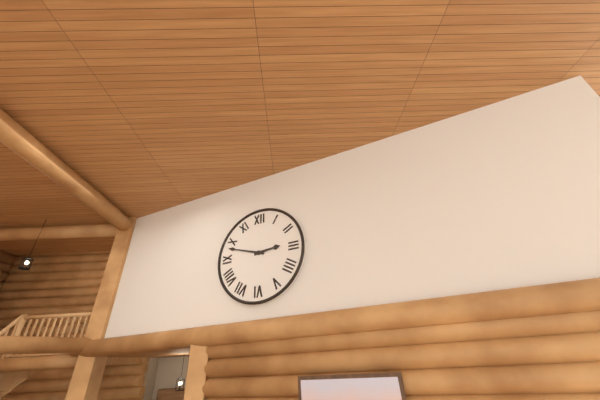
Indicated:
2.48
